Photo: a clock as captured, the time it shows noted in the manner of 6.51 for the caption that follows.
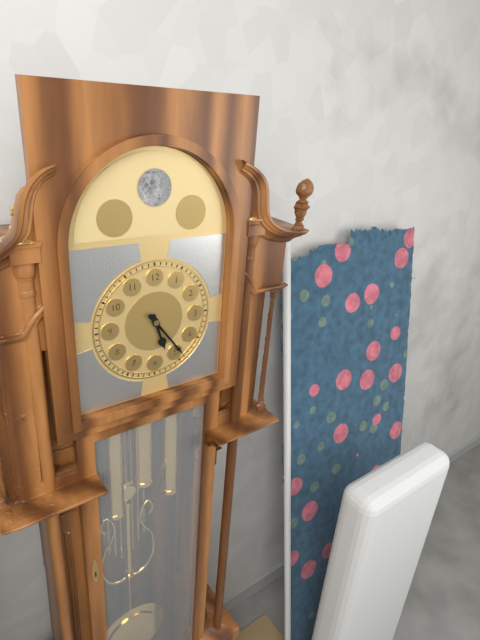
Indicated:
5.24
